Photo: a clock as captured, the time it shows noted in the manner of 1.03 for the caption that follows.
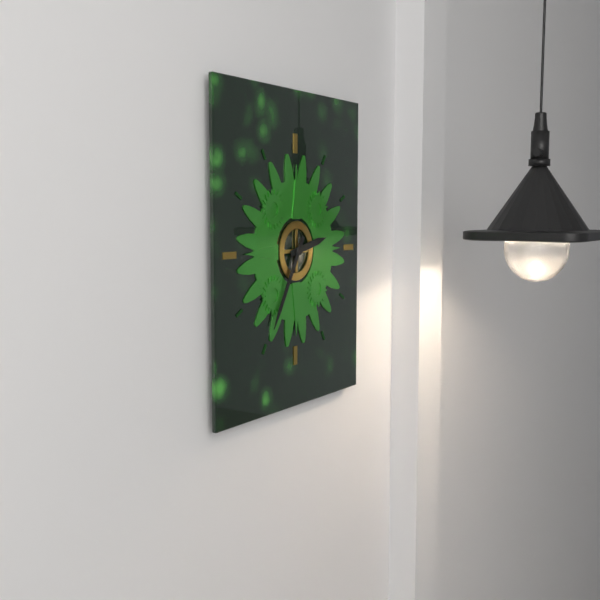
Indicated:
2.35
